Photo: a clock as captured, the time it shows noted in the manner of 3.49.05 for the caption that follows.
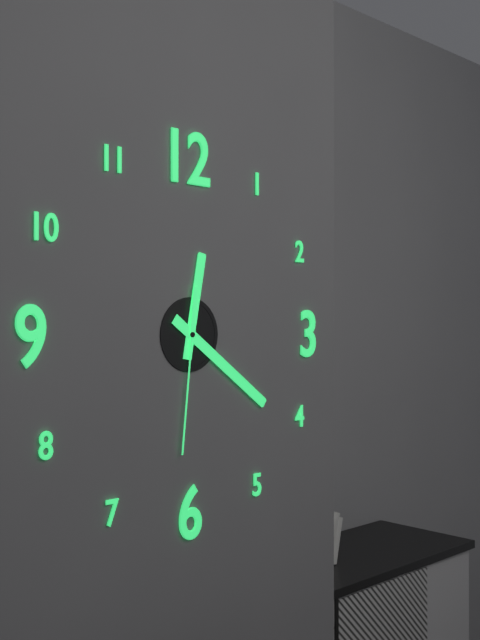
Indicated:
12.21.31
